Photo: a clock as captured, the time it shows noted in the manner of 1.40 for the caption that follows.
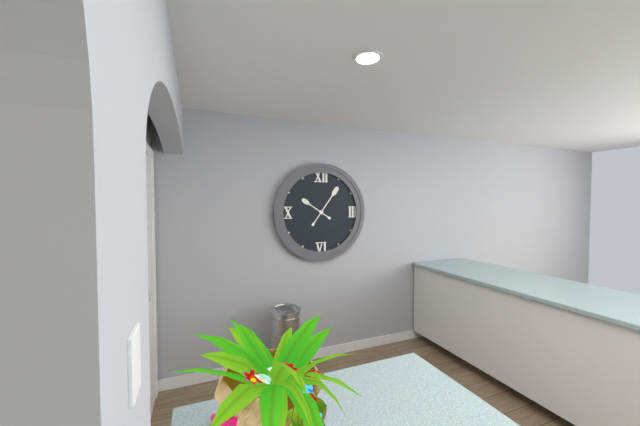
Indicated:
10.06
